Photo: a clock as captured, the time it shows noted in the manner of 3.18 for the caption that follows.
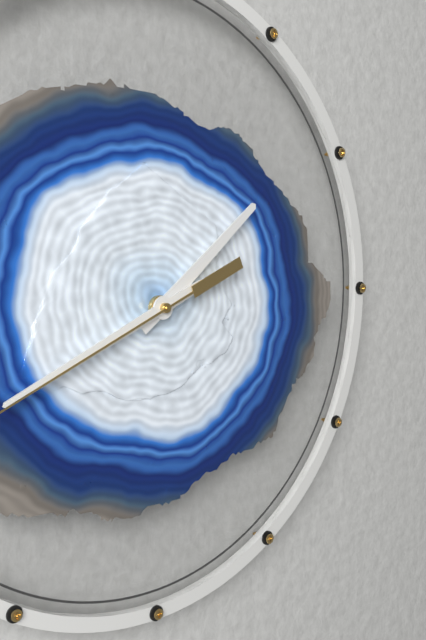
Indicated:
1.41
